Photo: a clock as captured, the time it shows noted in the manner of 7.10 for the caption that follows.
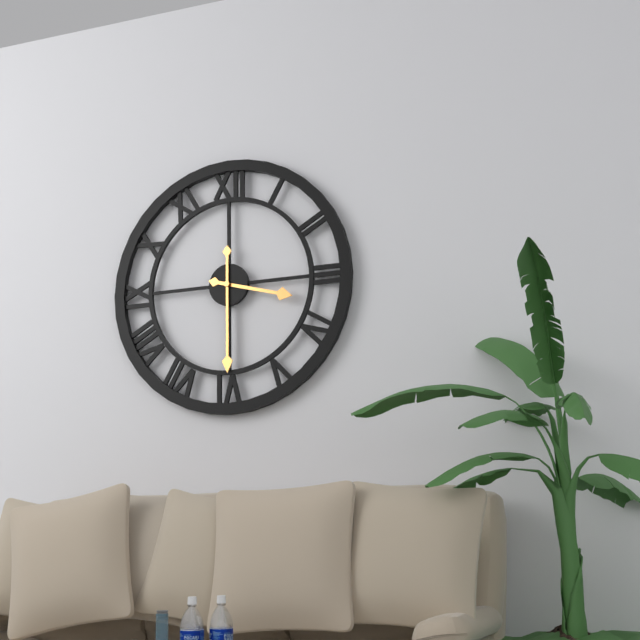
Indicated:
3.30
